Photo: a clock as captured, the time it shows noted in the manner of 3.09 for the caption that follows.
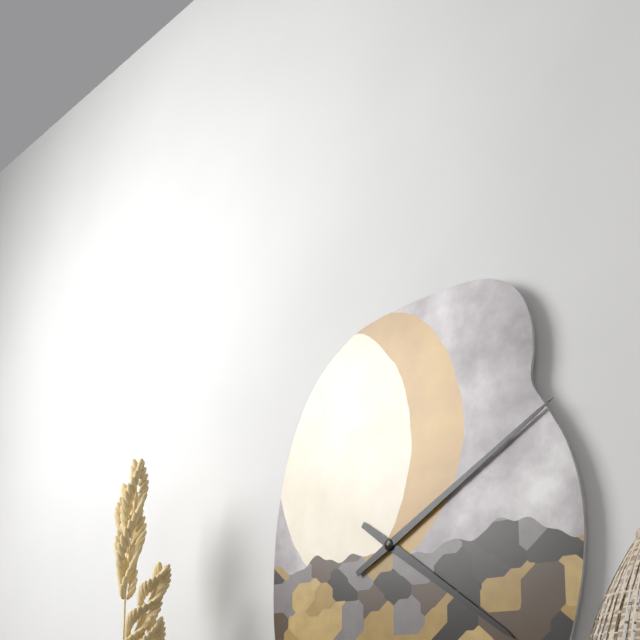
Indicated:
4.10
